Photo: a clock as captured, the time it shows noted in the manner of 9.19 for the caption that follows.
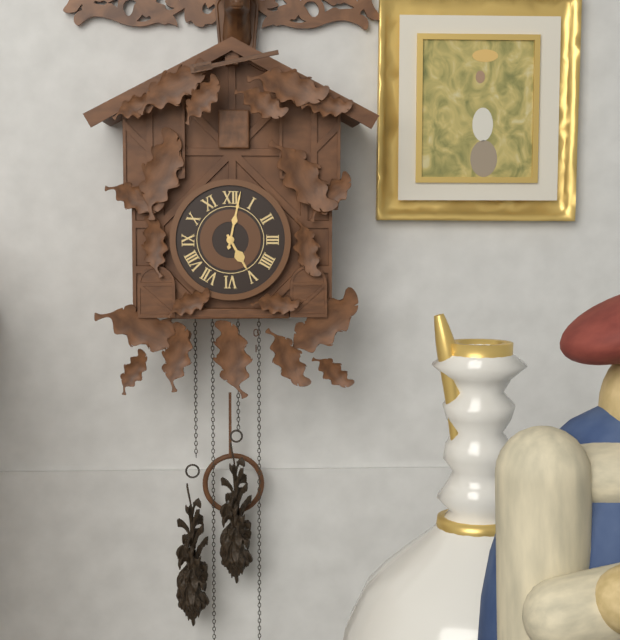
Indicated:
5.02
